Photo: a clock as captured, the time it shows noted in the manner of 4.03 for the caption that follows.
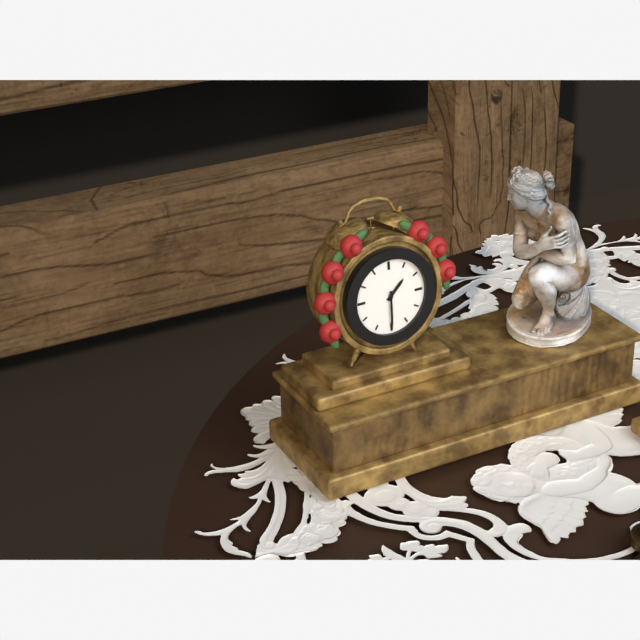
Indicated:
1.30
